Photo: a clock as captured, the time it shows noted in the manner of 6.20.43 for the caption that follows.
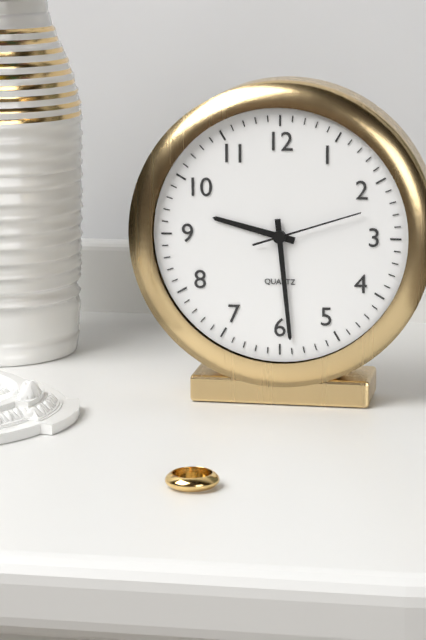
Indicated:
9.29.12
